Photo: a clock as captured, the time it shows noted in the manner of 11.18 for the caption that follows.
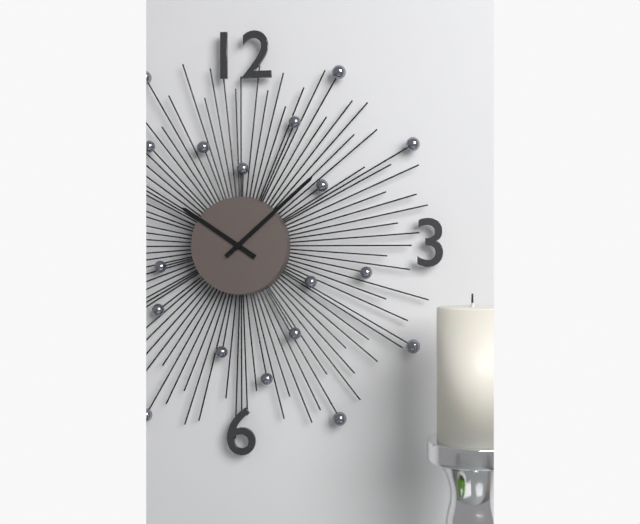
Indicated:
10.08
